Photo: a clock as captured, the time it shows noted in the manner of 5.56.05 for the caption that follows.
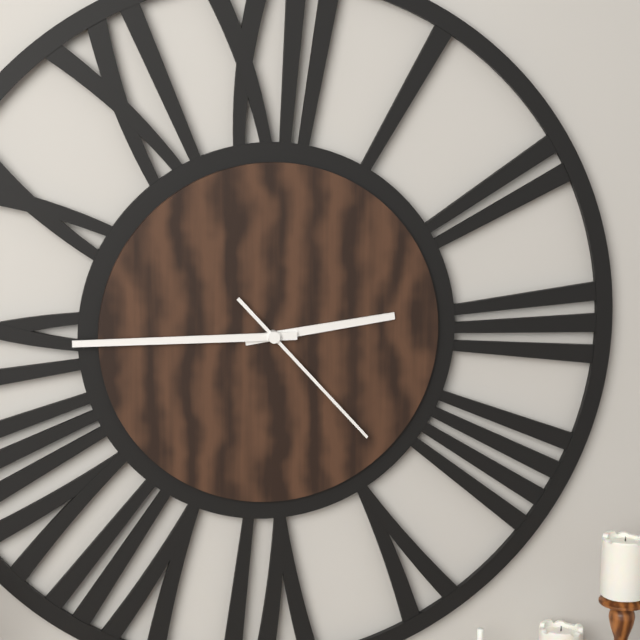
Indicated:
2.45.23
